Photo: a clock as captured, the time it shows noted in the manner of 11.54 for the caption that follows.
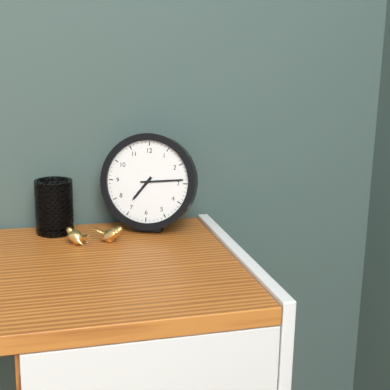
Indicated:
7.14
